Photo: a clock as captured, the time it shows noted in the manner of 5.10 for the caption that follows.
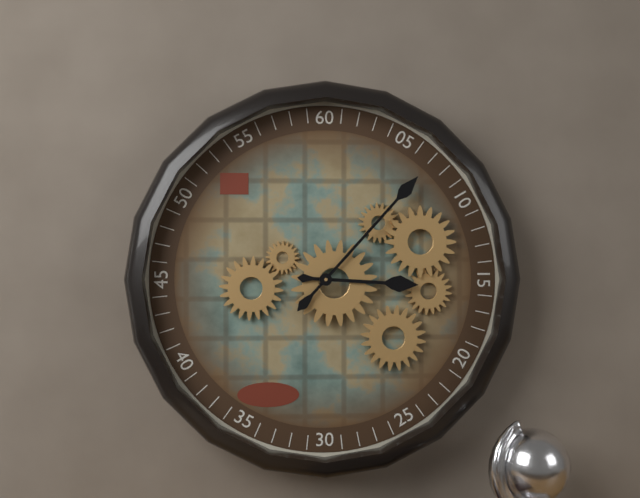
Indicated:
3.07
